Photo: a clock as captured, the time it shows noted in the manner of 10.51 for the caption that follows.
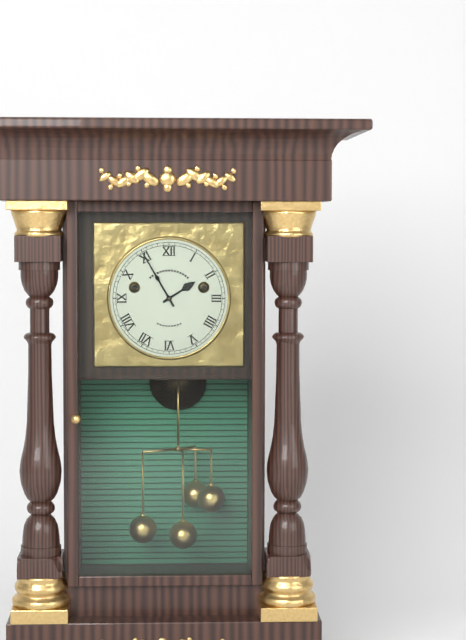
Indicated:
1.55
